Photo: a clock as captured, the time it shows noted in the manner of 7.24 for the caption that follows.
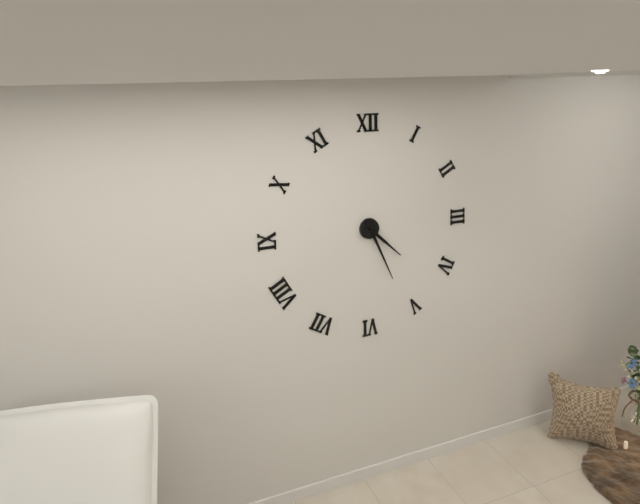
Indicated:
4.26
